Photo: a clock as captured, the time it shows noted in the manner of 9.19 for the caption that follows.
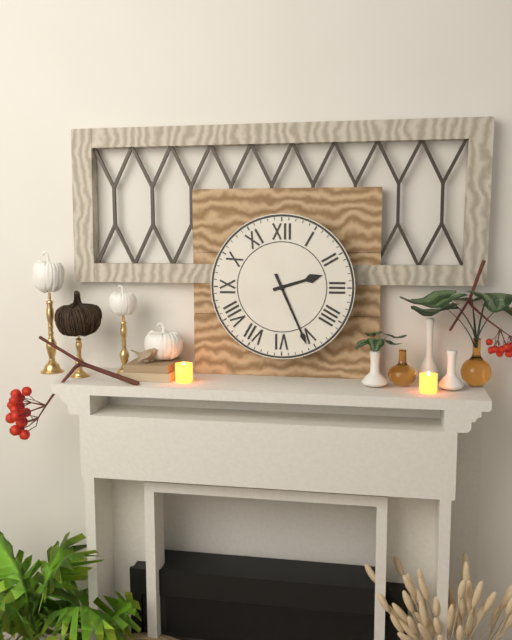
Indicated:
2.26
